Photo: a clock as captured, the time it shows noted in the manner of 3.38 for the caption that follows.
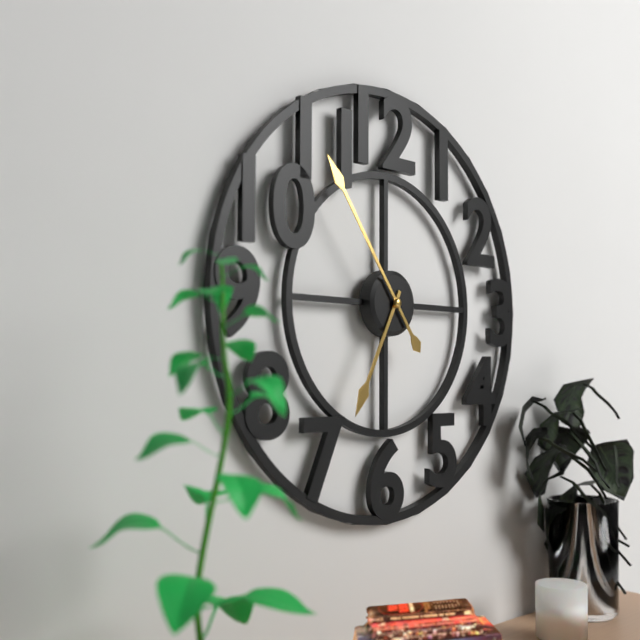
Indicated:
6.54
